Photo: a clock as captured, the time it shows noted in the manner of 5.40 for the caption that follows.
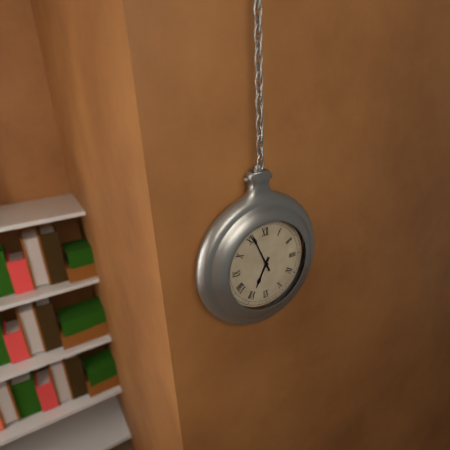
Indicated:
6.56
